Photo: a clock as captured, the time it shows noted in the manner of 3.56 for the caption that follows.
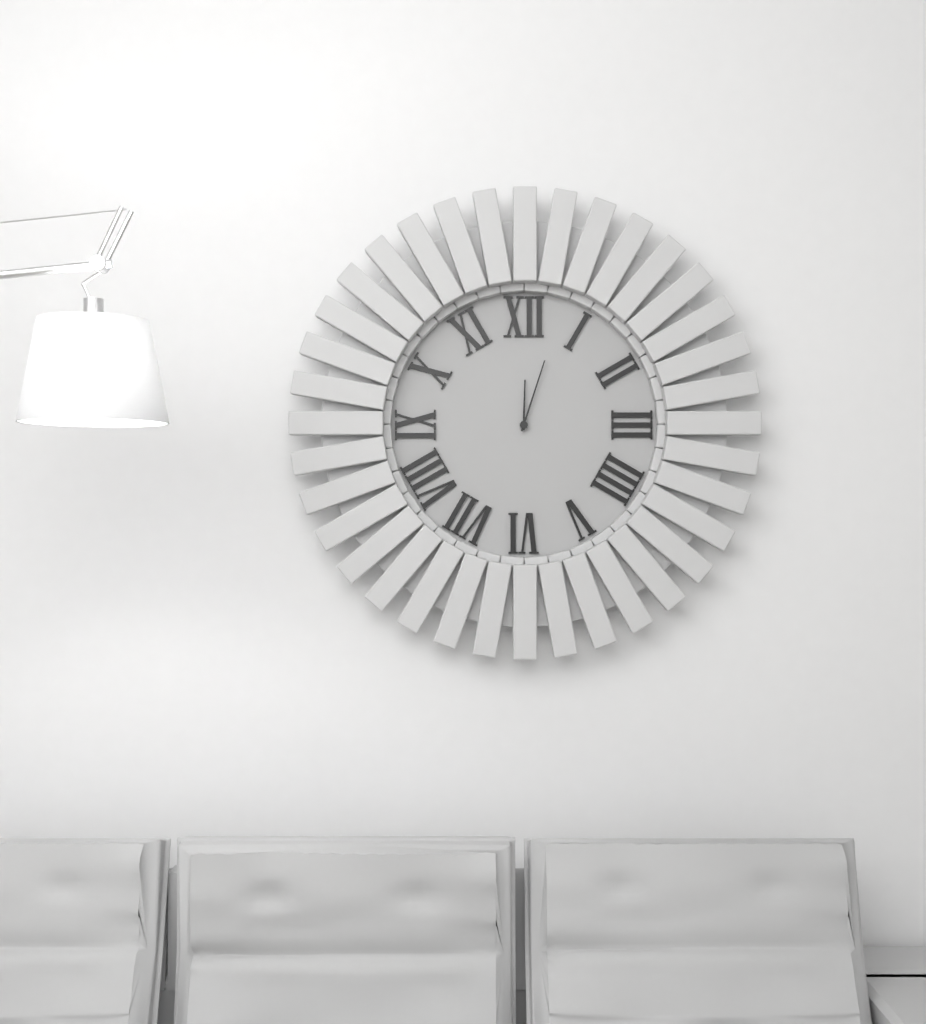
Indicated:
12.03
